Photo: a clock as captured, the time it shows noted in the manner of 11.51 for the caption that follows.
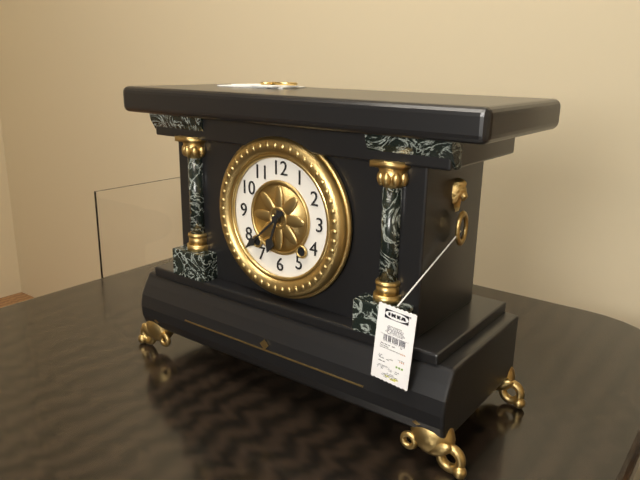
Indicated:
6.38
